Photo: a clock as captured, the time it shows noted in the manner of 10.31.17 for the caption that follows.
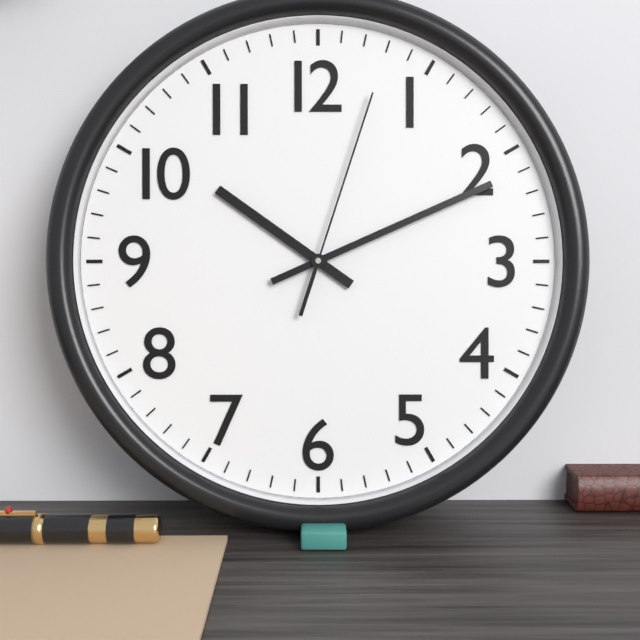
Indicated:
10.11.03
